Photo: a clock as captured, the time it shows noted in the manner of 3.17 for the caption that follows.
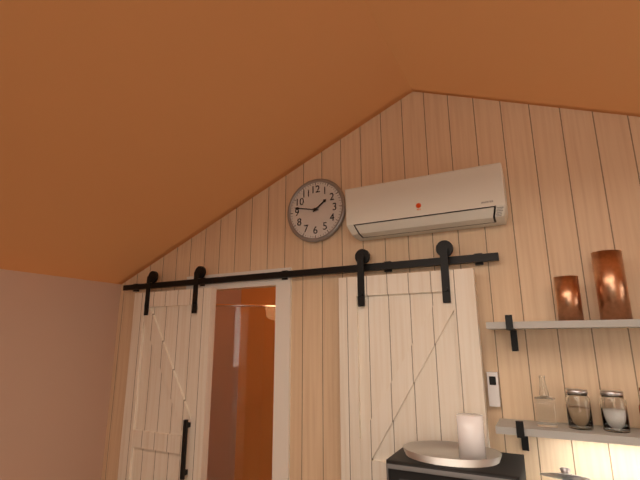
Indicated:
1.47
